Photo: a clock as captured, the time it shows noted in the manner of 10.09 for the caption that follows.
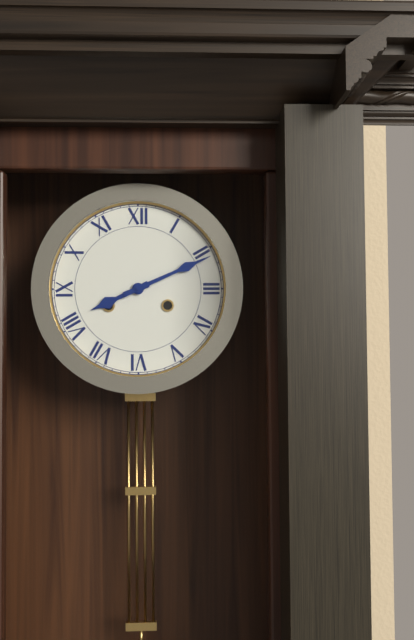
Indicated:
8.11
